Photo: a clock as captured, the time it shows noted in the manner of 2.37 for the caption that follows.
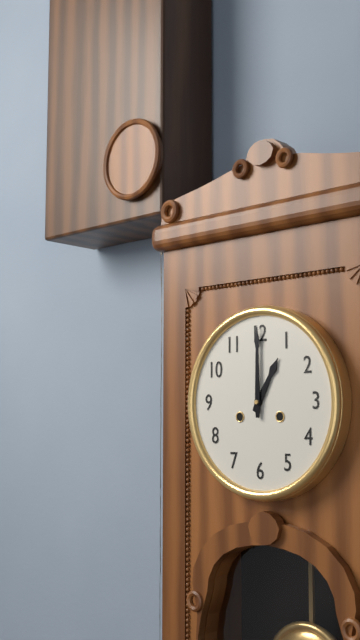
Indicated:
1.00
